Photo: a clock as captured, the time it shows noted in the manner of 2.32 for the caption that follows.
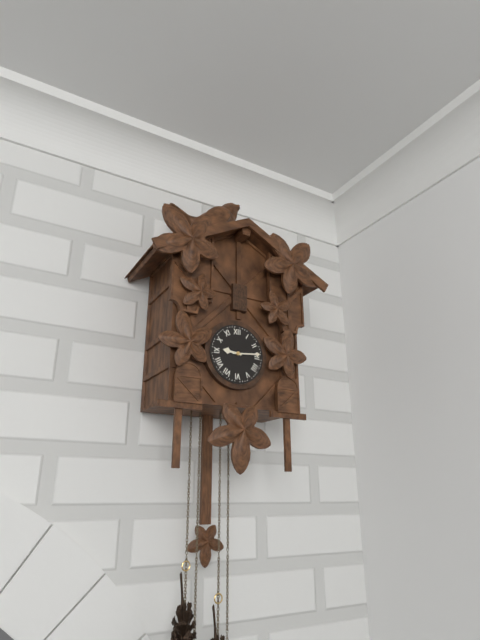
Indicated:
9.14
